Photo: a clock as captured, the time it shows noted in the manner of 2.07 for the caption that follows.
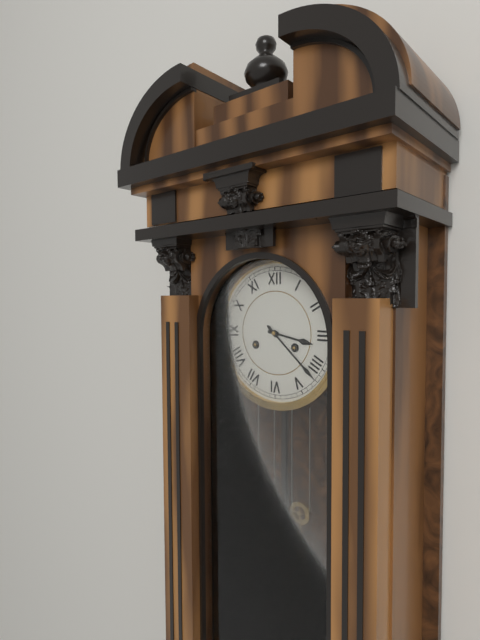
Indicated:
3.22
